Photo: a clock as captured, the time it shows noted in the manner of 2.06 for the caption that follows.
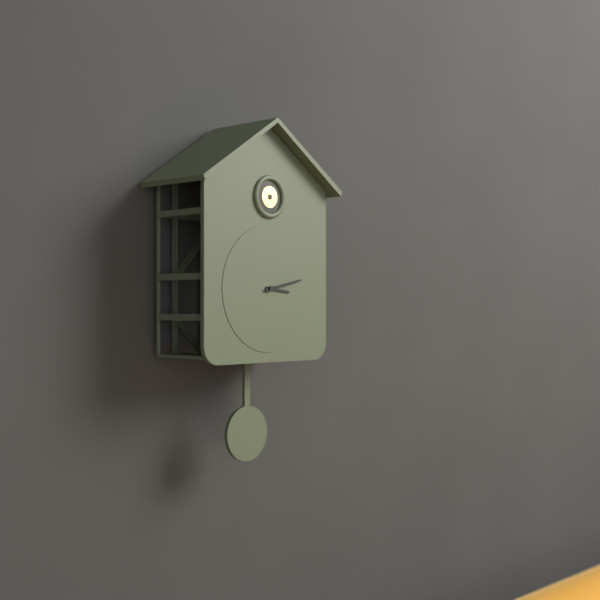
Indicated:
3.13
